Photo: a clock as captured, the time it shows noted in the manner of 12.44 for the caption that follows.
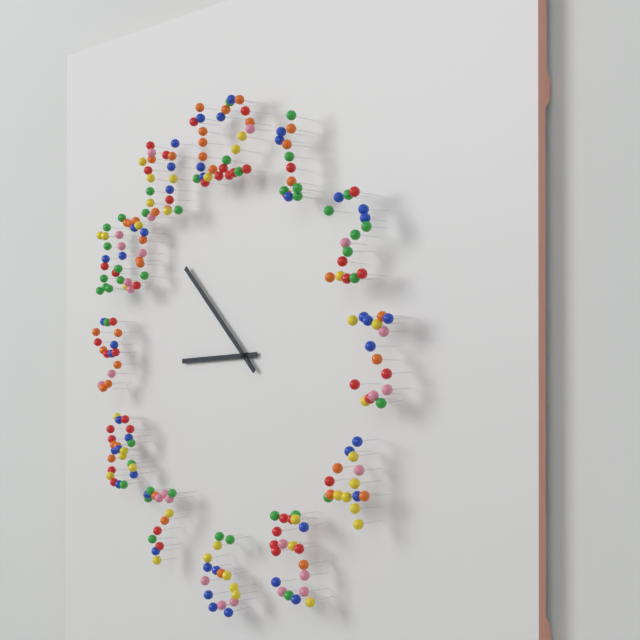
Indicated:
8.52
